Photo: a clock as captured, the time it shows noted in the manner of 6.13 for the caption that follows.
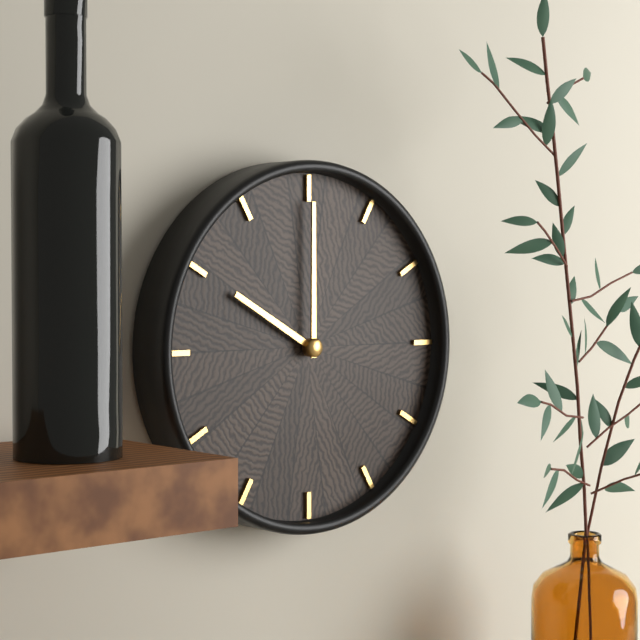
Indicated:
10.00
